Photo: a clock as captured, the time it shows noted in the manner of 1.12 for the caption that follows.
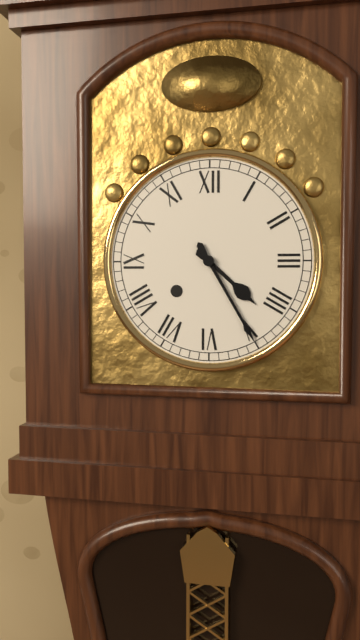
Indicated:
4.25
